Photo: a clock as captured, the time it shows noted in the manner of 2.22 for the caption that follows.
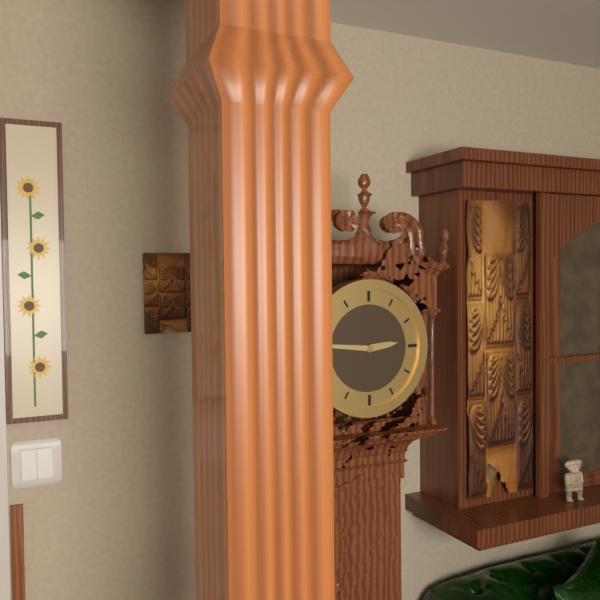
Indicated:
2.46
